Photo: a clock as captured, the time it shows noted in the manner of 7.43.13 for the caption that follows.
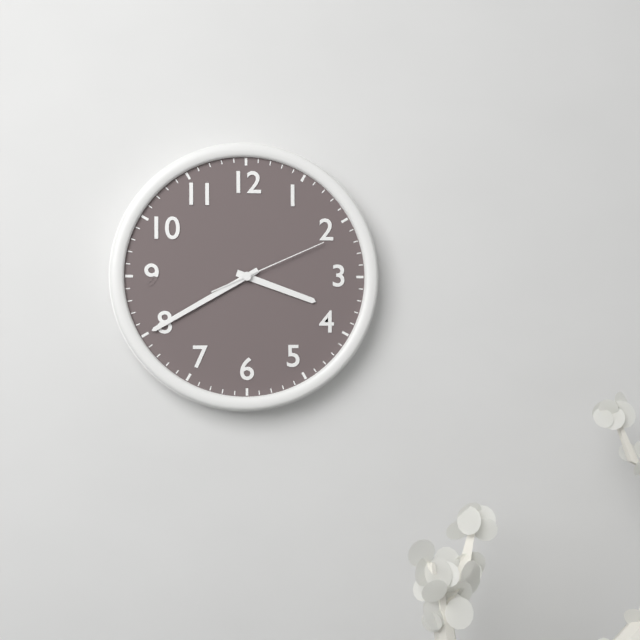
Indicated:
3.40.11
